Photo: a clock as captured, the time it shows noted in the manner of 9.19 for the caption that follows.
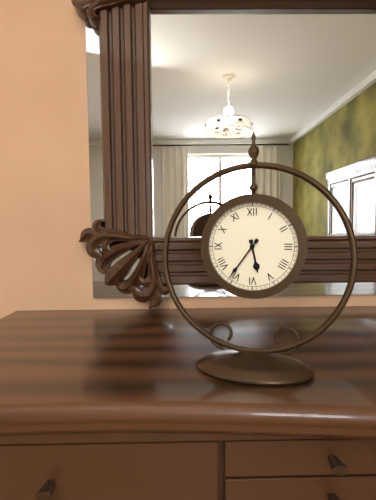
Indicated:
5.36
